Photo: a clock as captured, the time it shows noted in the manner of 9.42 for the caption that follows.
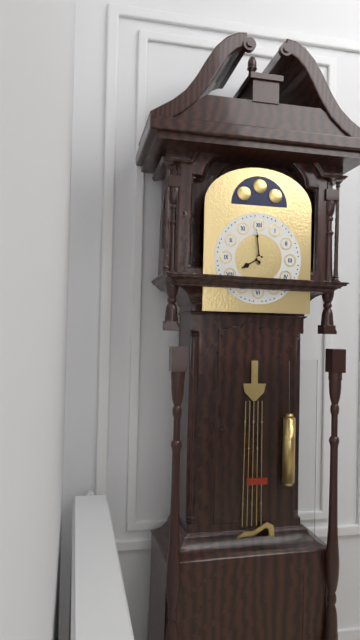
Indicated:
7.59
